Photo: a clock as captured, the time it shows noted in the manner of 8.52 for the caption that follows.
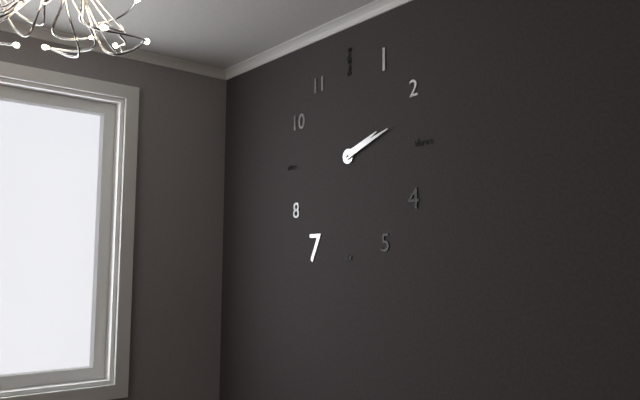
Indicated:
2.12
